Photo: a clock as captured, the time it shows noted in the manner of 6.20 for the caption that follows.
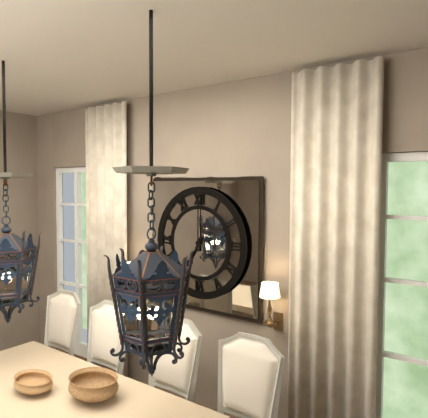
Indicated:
7.00
